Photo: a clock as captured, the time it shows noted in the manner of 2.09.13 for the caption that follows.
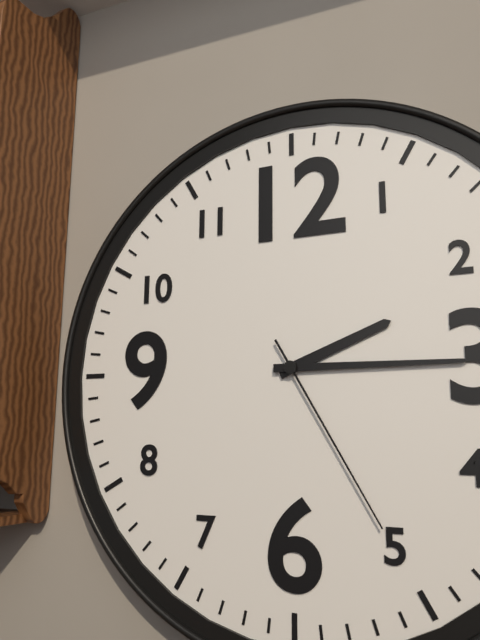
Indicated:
2.15.25
